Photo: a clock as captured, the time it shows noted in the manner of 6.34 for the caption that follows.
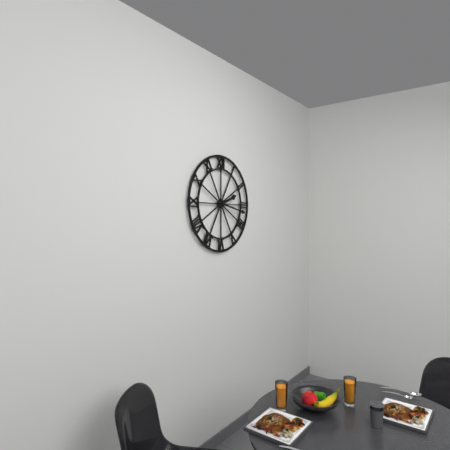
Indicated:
2.17
